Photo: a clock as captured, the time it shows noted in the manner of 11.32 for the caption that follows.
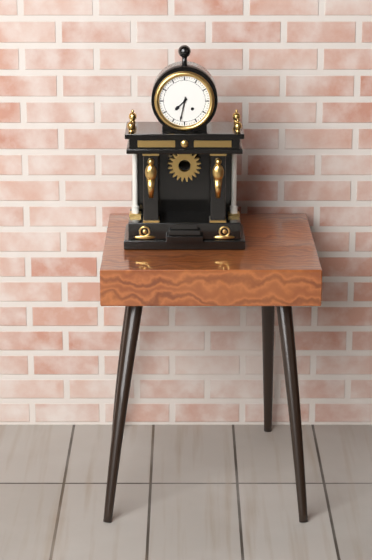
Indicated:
7.32
